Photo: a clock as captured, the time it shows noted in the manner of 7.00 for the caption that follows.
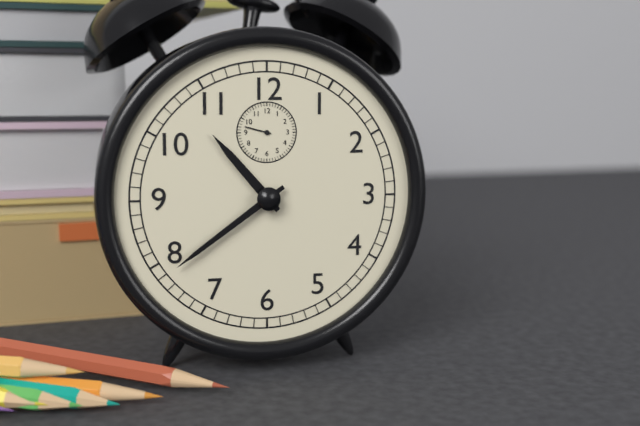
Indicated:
10.39
